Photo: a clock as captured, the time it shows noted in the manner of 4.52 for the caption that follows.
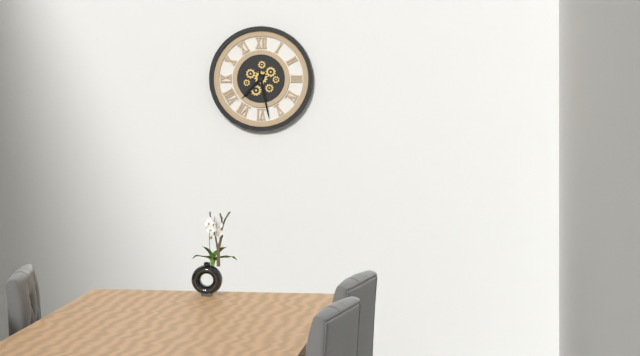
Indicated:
7.28
